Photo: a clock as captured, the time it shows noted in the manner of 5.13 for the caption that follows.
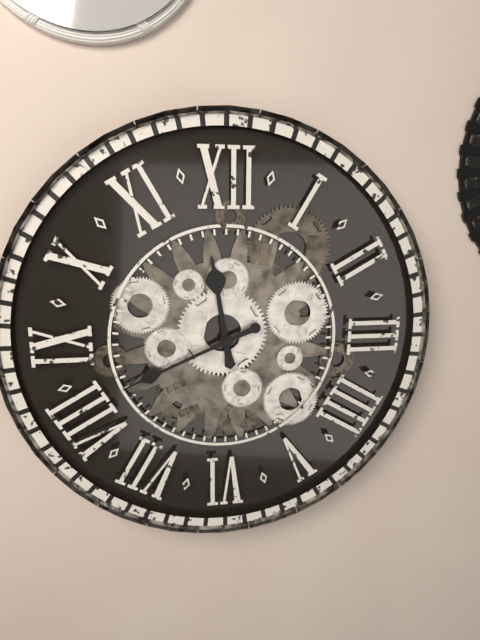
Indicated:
11.41
